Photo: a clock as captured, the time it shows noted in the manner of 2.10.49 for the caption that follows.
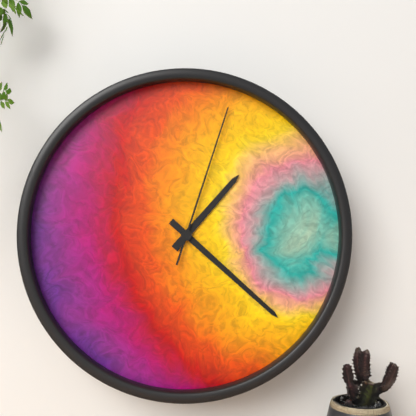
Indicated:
1.22.03
